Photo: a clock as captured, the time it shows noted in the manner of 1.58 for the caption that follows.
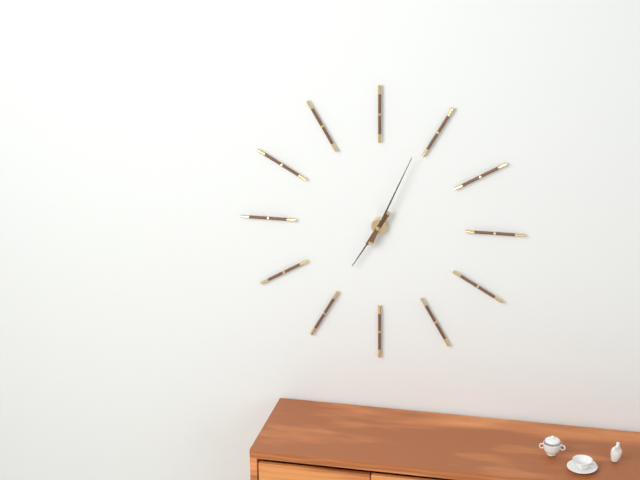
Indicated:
7.04
